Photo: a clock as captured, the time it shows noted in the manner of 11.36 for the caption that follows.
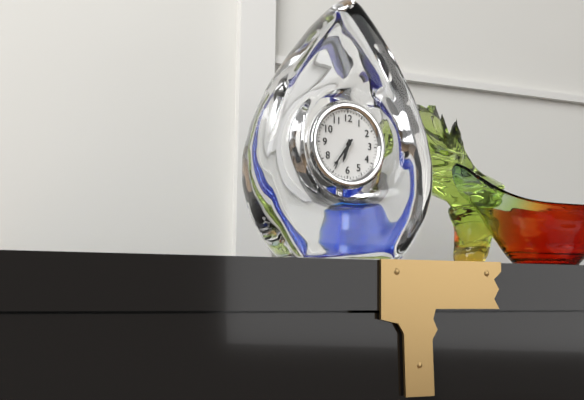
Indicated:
6.36
